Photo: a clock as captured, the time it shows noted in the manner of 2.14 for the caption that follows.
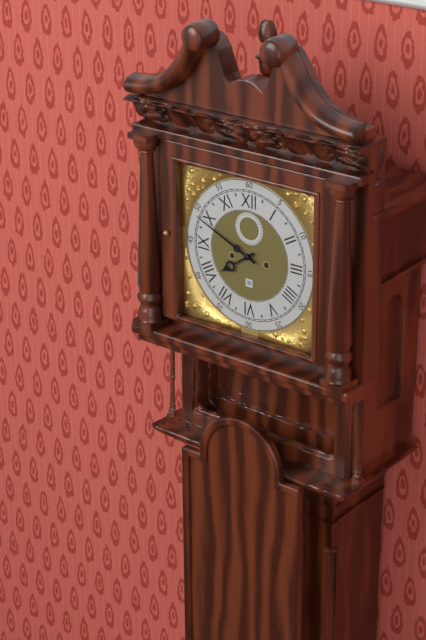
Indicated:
7.49
